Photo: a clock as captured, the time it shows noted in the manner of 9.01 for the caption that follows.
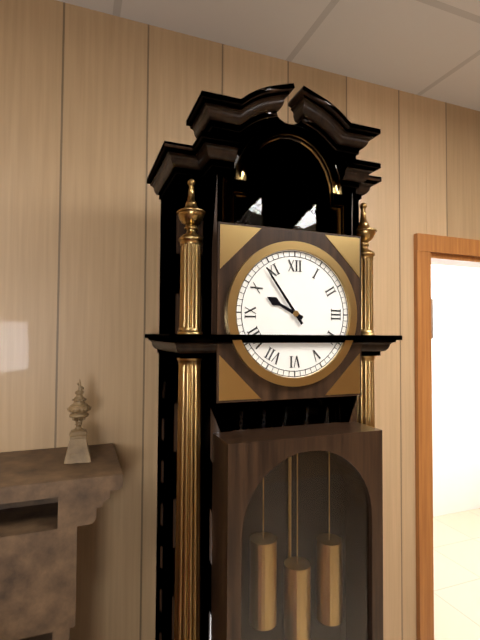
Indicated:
9.54
